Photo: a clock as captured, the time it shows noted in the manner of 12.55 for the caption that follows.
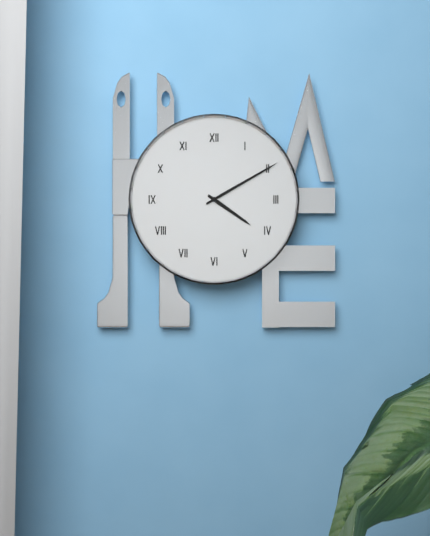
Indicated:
4.10
